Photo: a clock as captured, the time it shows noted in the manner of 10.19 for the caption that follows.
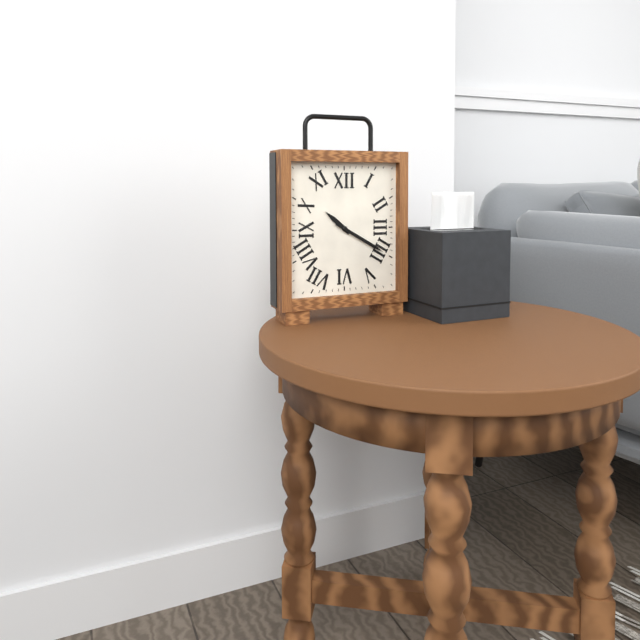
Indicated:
10.20
